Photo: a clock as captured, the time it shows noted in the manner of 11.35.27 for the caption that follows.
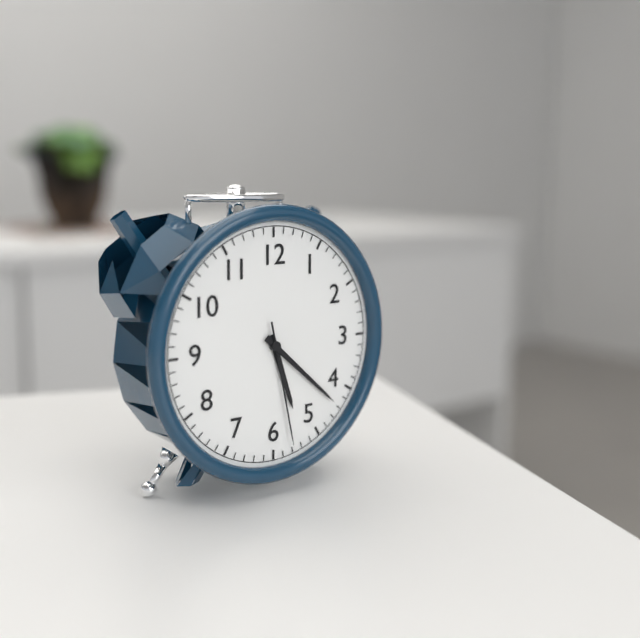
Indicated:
5.22.28
